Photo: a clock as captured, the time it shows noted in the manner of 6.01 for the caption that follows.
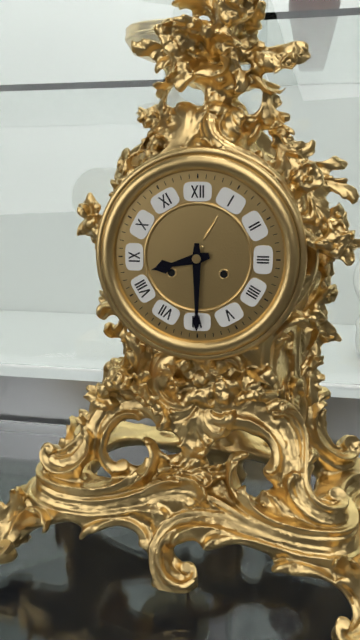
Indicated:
8.30
